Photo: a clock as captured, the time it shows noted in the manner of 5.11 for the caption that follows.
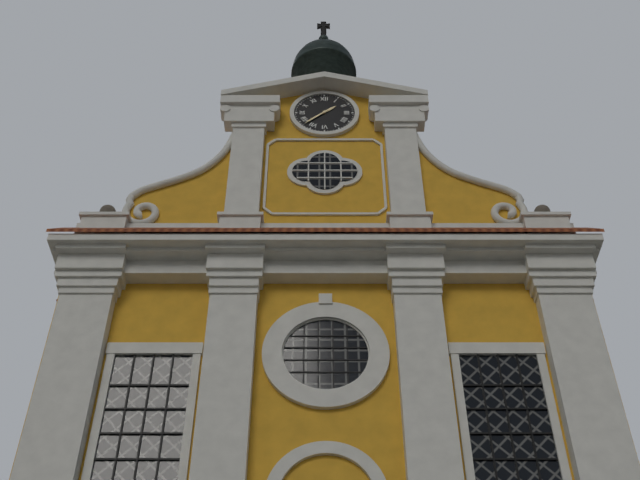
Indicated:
1.38
